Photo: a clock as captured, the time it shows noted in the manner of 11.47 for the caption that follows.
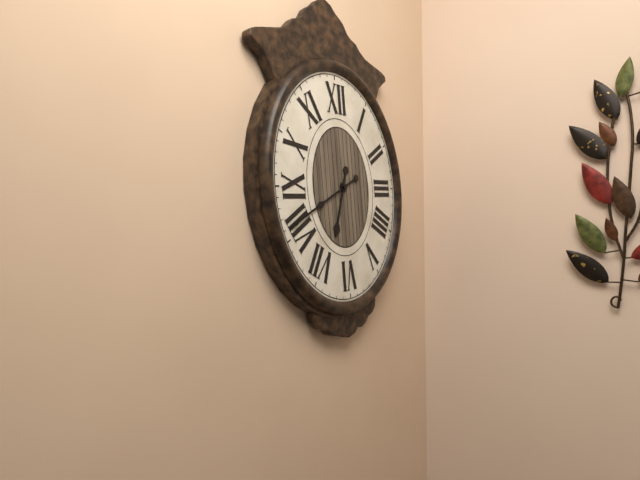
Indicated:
6.41
